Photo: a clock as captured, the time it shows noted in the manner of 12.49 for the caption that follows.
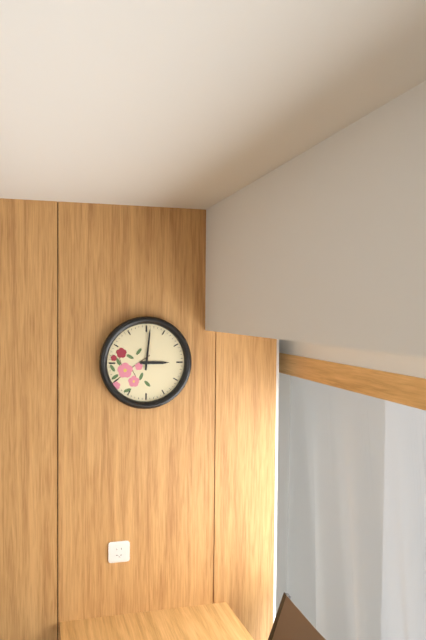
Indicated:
3.01
